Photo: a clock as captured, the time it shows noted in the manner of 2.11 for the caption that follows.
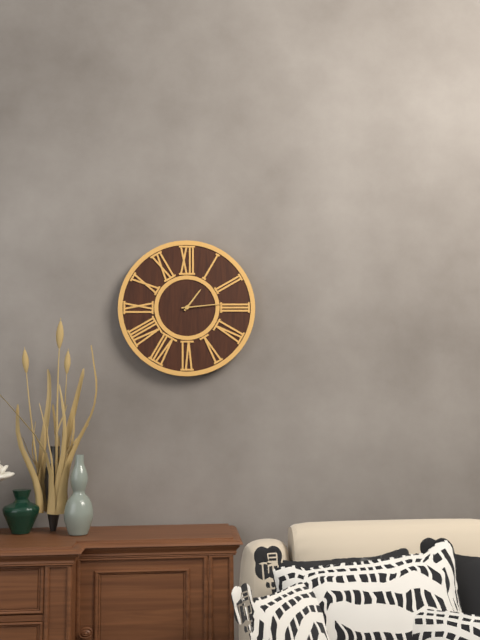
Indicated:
1.14
